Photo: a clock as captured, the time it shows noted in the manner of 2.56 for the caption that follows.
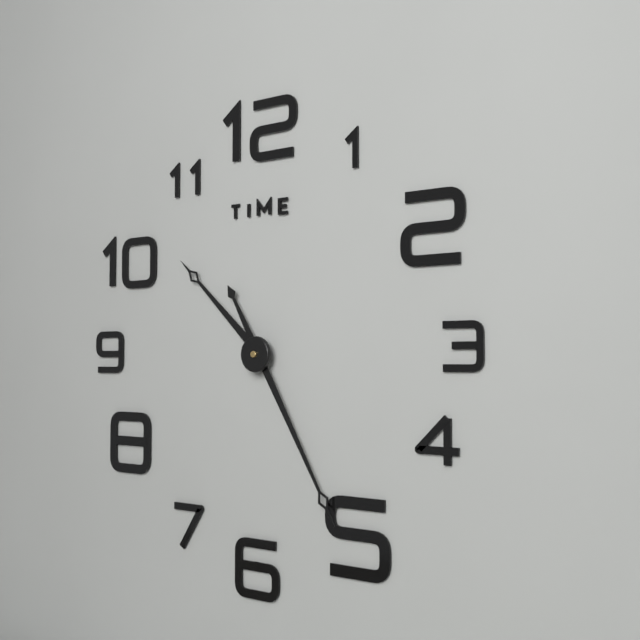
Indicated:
10.25
